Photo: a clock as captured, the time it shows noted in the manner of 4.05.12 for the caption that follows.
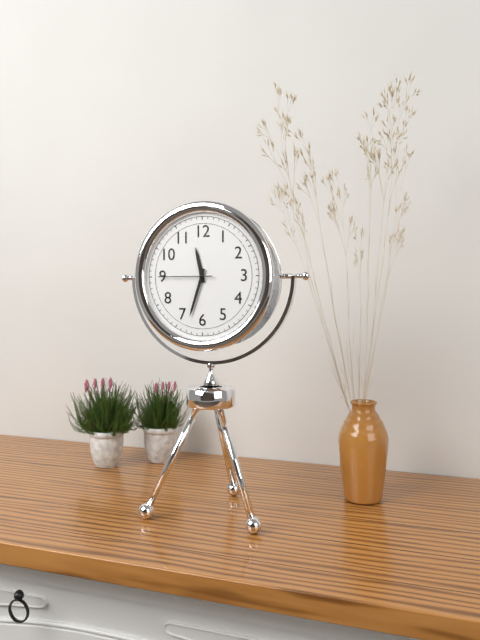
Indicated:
11.33.45
